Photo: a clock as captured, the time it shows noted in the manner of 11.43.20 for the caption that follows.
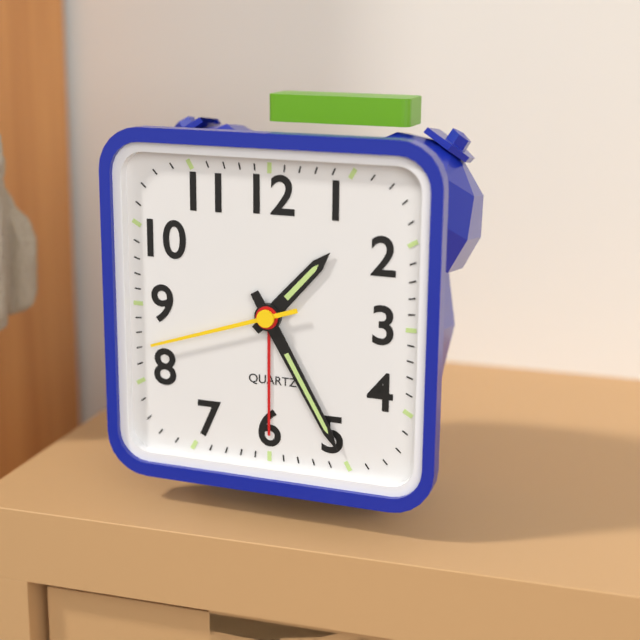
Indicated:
1.25.42
